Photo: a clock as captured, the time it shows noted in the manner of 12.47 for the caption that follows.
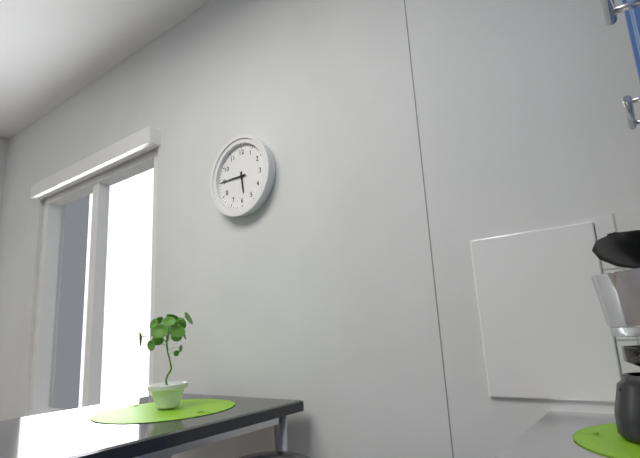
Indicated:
5.45
